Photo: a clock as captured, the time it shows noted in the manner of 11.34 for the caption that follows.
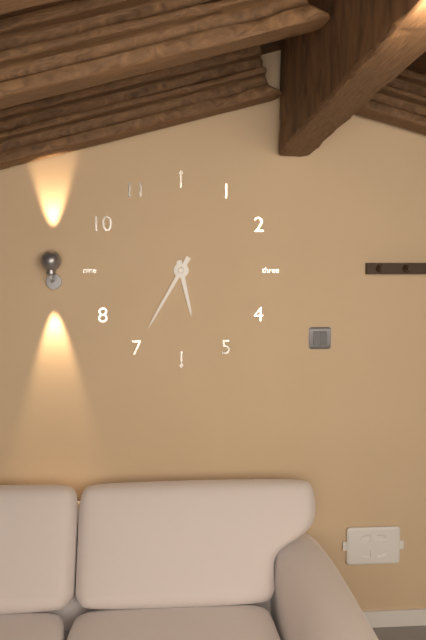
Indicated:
5.35
